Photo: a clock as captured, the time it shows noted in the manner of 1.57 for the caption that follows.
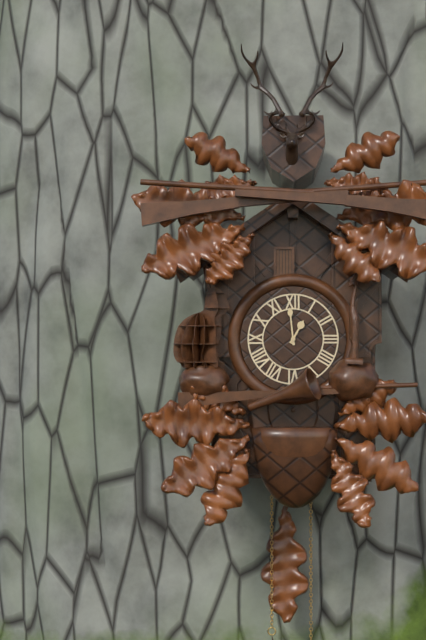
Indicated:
12.59
